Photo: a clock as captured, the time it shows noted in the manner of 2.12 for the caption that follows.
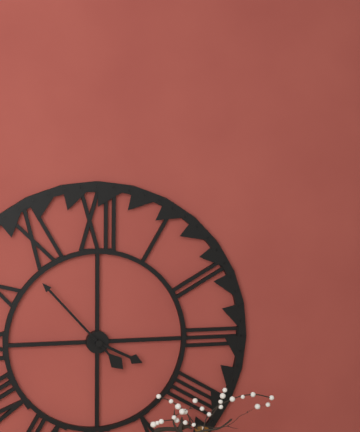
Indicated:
3.53
